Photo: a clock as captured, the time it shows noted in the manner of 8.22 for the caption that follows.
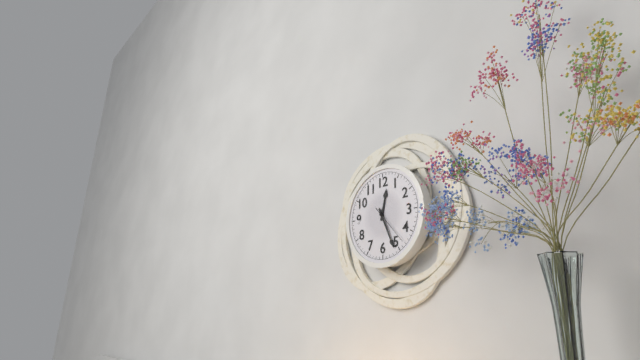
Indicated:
12.26
